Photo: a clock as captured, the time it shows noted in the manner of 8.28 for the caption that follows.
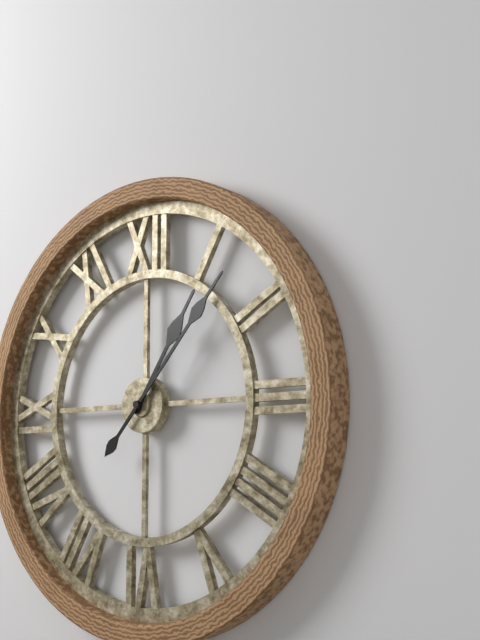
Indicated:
1.07
